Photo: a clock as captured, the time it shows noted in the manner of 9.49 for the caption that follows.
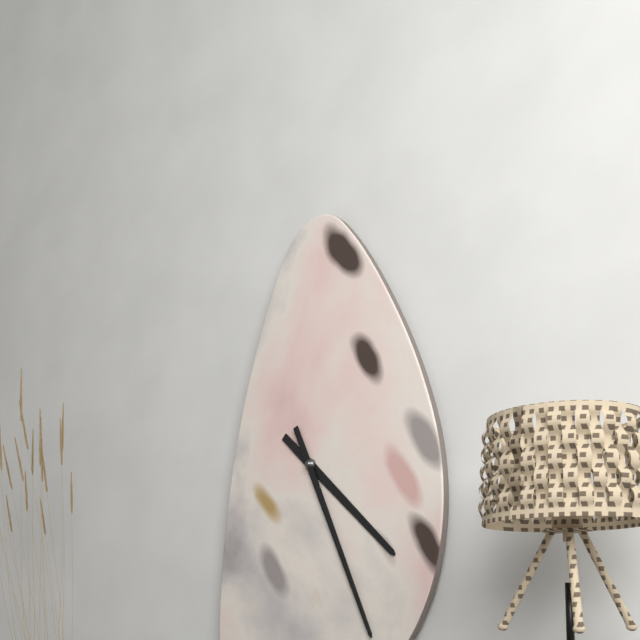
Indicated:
4.26
